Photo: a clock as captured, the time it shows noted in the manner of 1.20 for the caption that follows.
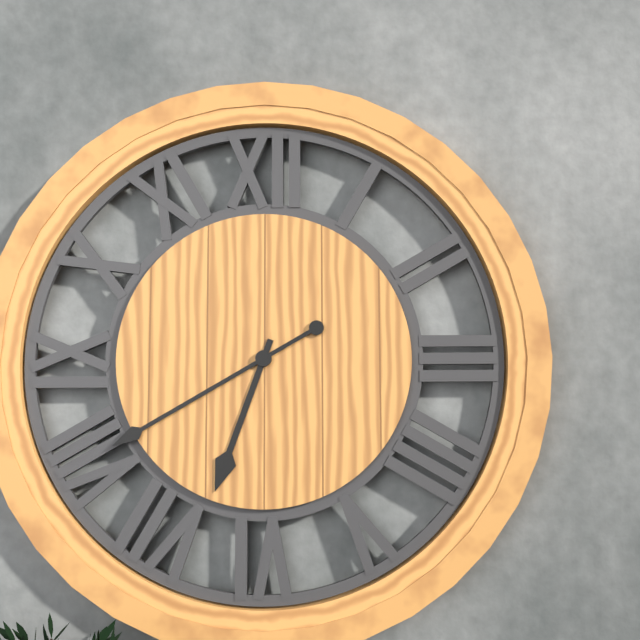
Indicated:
6.40
